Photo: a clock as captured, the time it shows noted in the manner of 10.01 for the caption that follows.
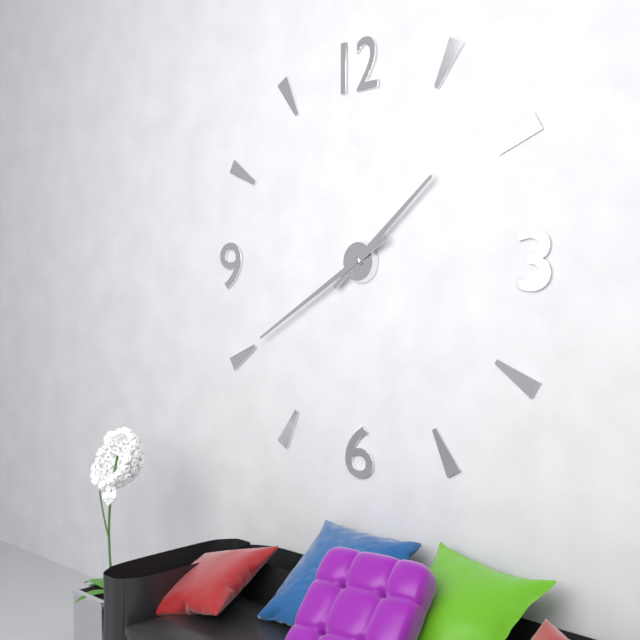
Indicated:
1.40
